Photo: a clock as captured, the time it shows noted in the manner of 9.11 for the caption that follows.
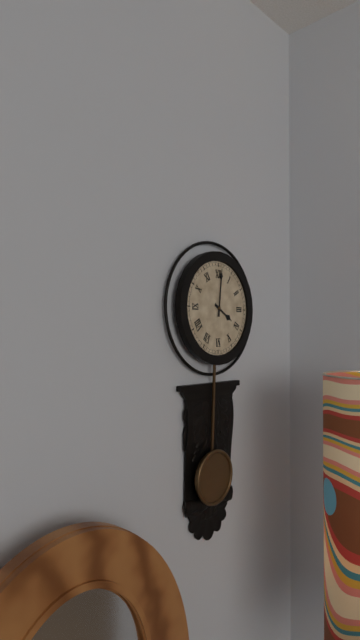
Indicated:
4.01
